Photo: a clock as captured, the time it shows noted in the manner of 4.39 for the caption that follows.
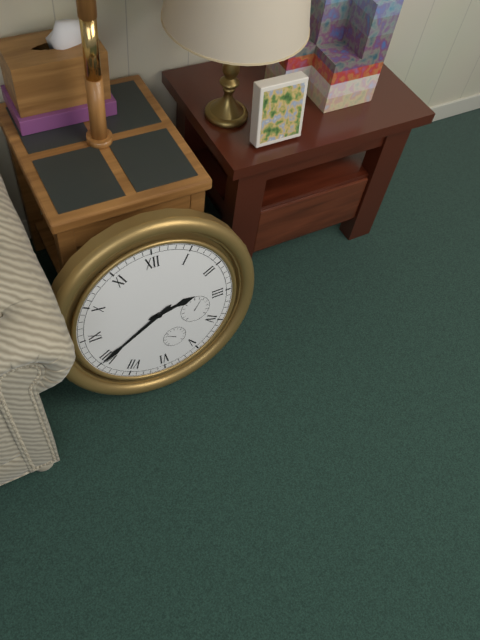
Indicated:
2.40
